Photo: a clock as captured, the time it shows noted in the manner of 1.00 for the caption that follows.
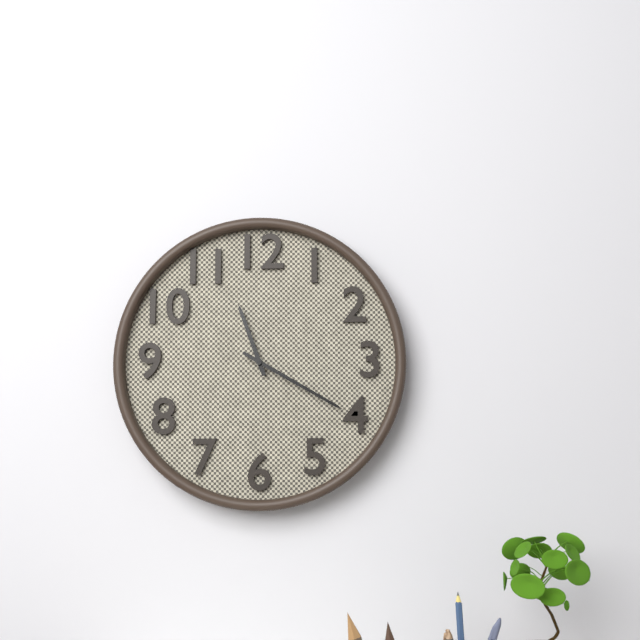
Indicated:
11.20
